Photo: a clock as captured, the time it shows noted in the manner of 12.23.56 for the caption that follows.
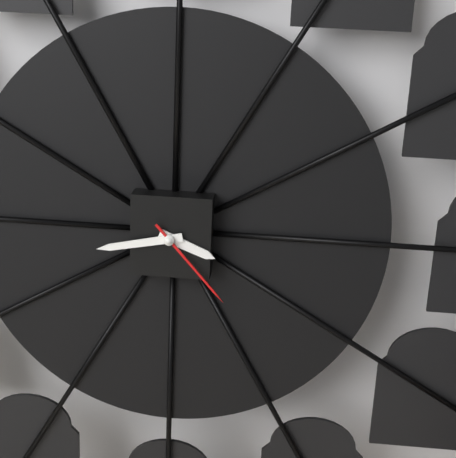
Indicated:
3.43.23
